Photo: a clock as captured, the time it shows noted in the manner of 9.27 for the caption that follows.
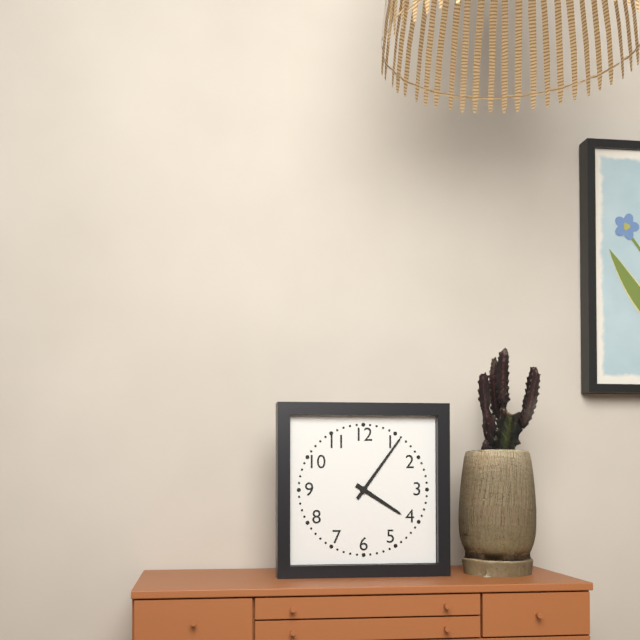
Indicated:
4.06
